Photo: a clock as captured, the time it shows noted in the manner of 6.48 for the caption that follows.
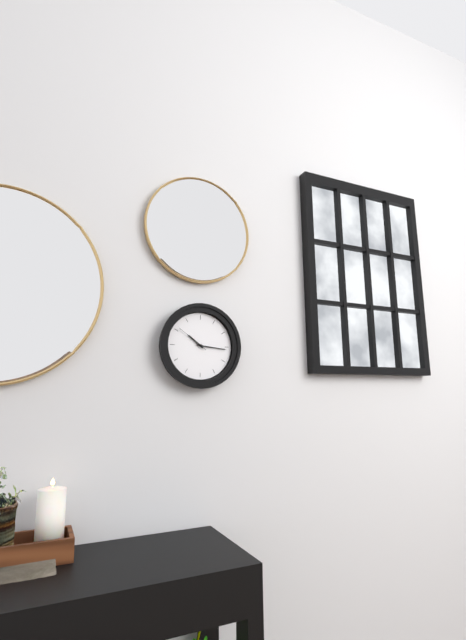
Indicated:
10.16
